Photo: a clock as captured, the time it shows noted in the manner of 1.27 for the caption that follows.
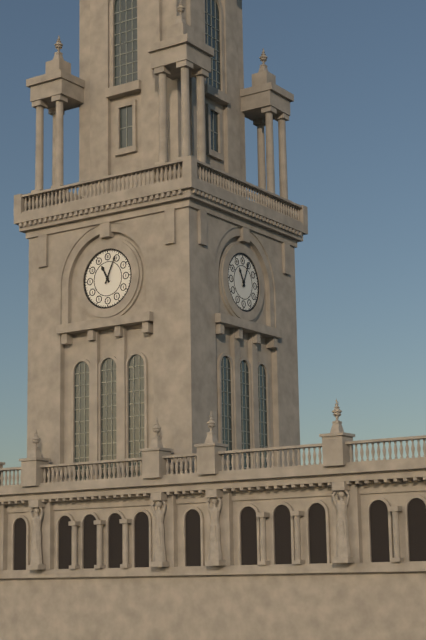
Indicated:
11.04
